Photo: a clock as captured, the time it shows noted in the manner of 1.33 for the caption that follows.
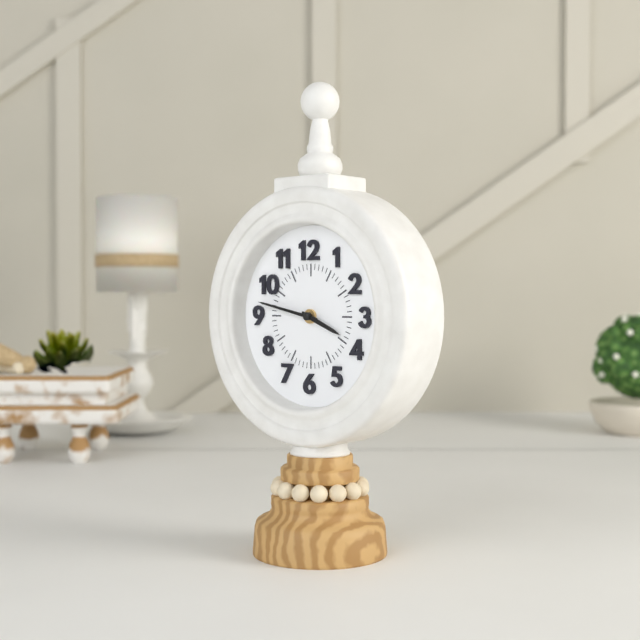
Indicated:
3.47
